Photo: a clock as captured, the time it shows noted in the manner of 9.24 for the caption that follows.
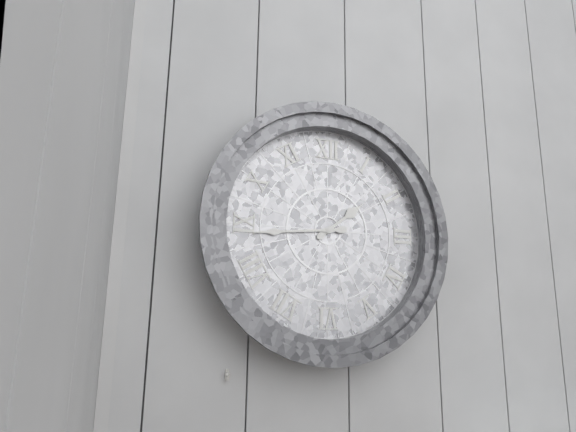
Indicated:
1.44
